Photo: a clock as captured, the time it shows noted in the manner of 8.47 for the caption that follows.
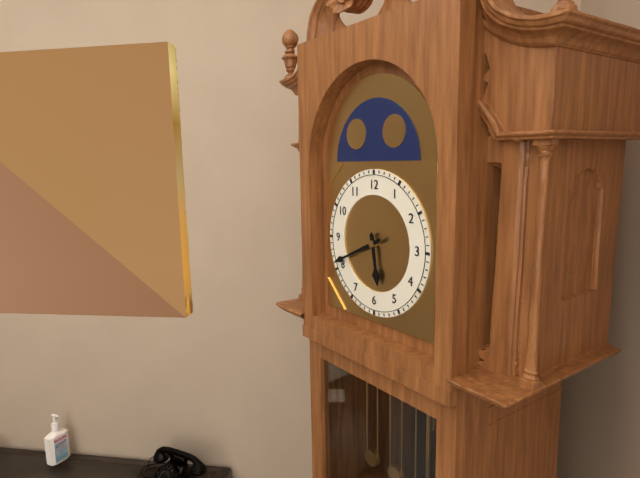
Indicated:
5.41
